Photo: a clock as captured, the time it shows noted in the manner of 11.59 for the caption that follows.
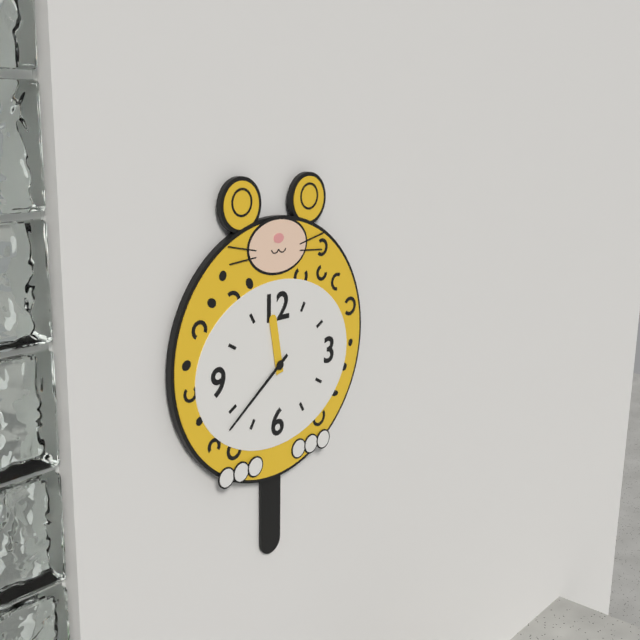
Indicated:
11.39
